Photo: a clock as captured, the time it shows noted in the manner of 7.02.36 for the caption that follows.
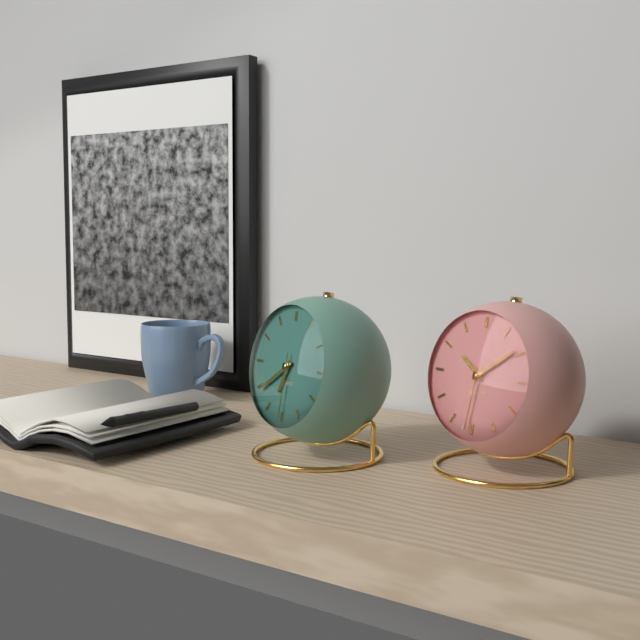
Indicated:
6.39.30
